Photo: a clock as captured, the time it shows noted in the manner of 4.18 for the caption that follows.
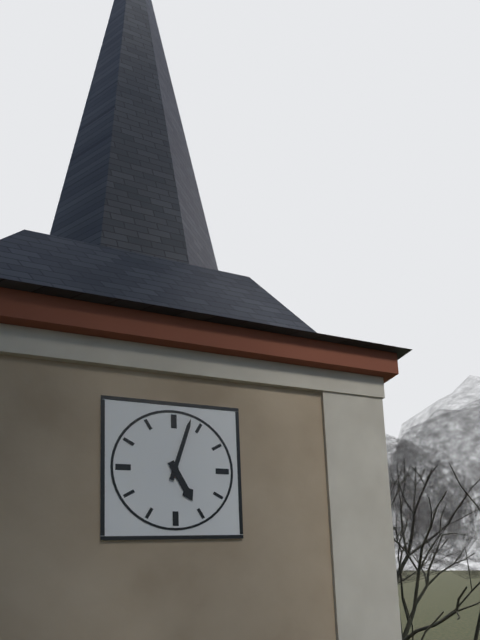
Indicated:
5.03
